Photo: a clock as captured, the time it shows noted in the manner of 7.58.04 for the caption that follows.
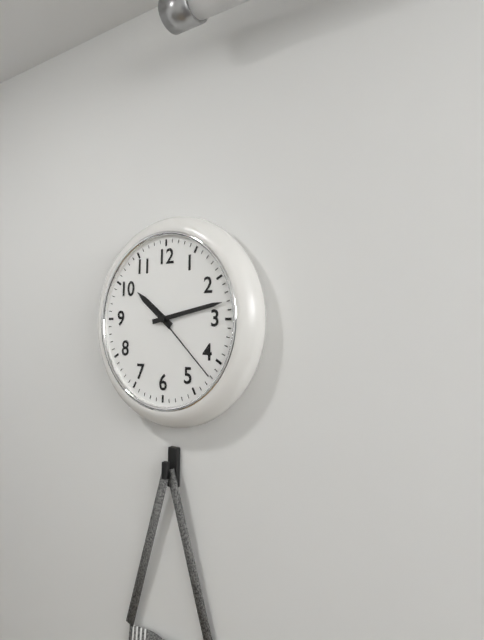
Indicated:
10.13.22
